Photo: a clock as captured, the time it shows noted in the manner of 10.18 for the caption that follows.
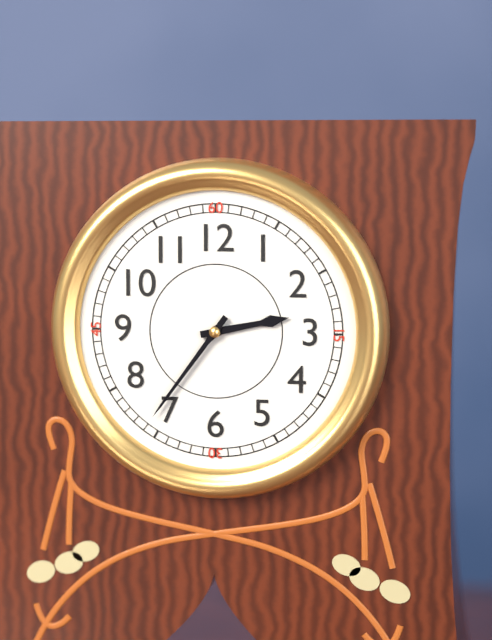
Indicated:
2.36
